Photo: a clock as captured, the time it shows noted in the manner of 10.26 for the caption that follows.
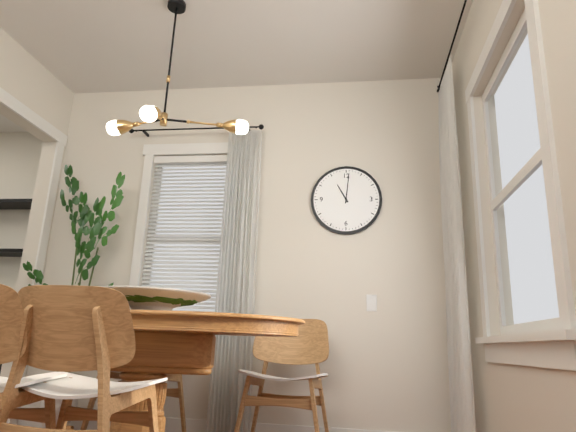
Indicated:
11.01
